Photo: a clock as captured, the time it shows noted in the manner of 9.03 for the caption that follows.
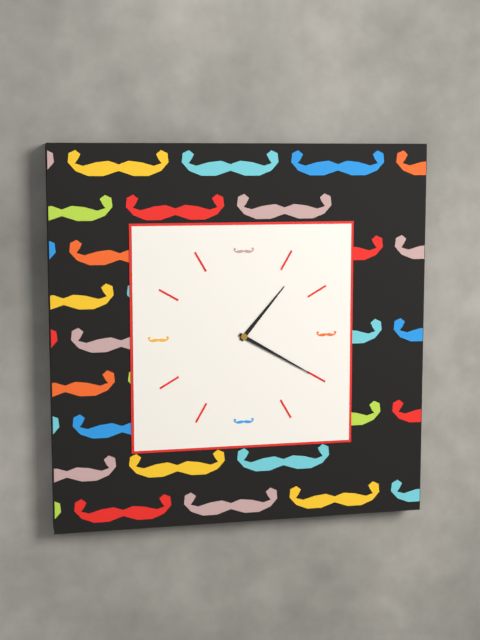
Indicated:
1.20
